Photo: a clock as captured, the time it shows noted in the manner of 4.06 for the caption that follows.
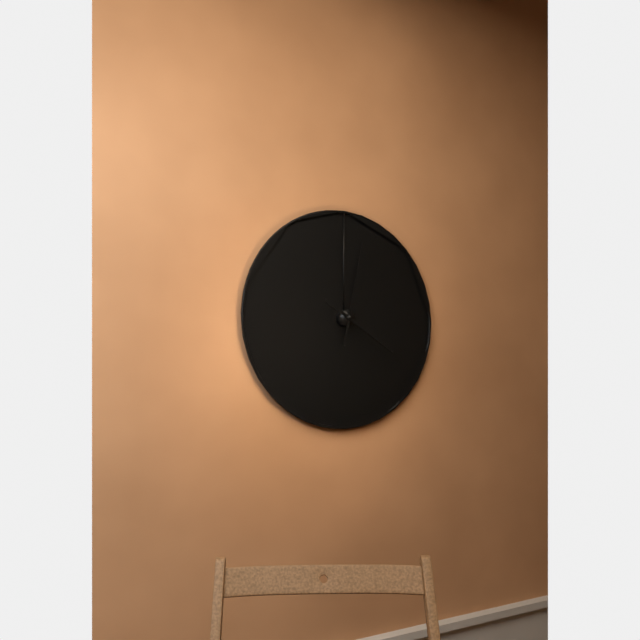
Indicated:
4.02
